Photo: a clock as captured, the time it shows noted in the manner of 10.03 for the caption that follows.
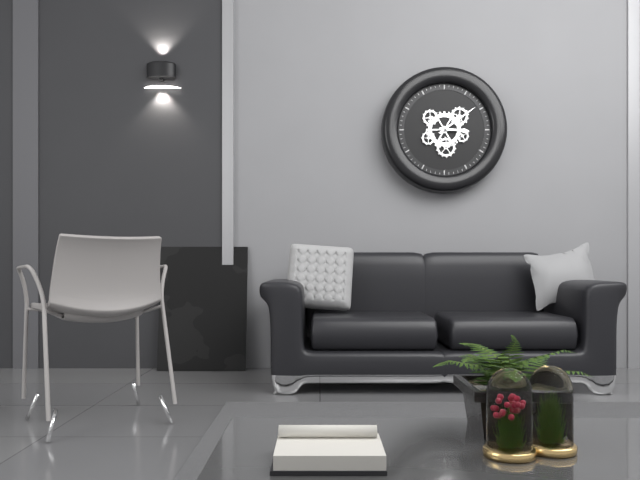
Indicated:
3.09
